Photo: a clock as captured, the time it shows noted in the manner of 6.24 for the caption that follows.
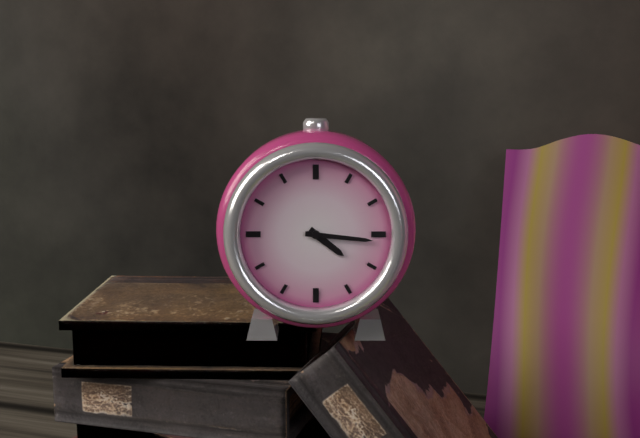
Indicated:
4.16
